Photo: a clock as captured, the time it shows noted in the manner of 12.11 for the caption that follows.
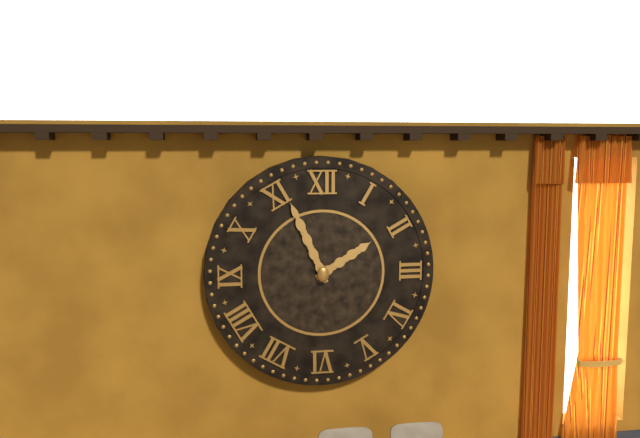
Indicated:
1.56
